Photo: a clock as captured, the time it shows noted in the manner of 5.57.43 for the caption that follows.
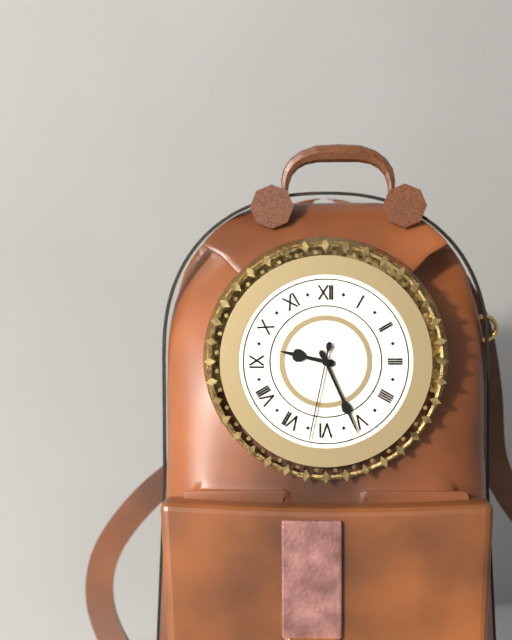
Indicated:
9.26.32
